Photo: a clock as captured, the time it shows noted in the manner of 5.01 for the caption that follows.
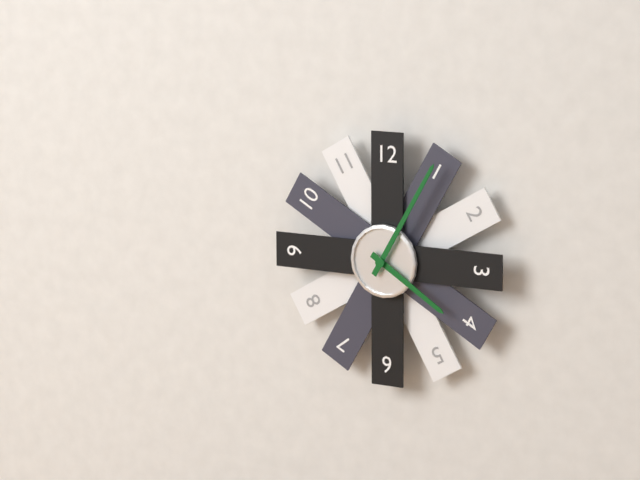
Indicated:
4.05
